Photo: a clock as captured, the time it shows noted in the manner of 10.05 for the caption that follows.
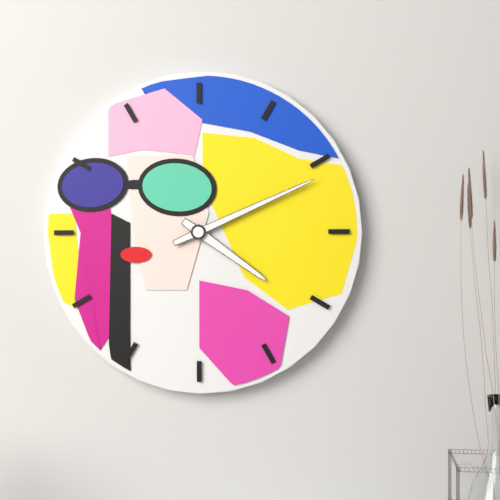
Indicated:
4.11
